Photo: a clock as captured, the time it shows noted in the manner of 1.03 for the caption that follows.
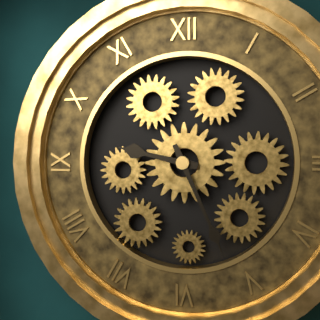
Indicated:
9.26
